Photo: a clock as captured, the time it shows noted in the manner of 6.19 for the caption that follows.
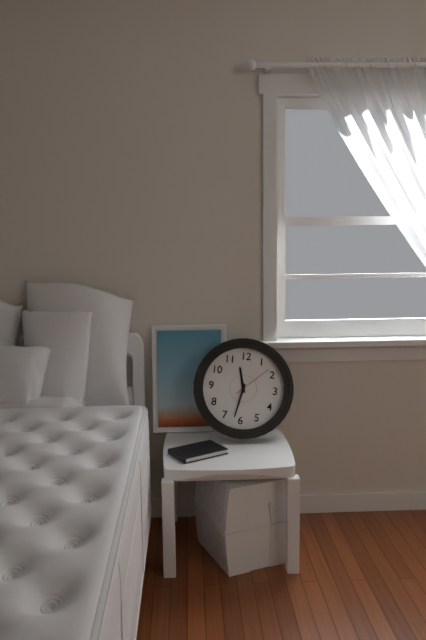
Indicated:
11.32
